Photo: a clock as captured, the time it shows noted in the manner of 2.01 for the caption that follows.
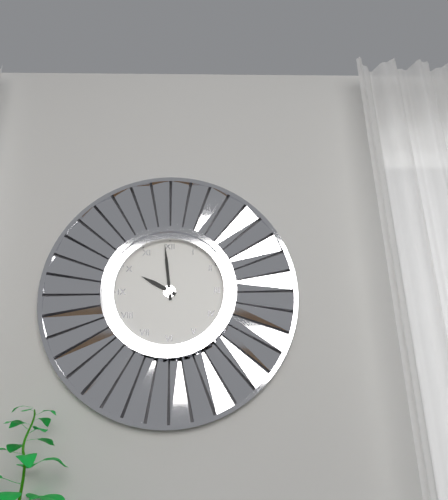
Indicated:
9.59
